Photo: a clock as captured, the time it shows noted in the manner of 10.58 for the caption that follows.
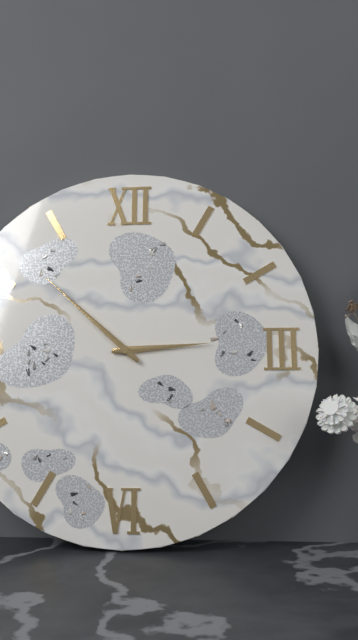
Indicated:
2.52
